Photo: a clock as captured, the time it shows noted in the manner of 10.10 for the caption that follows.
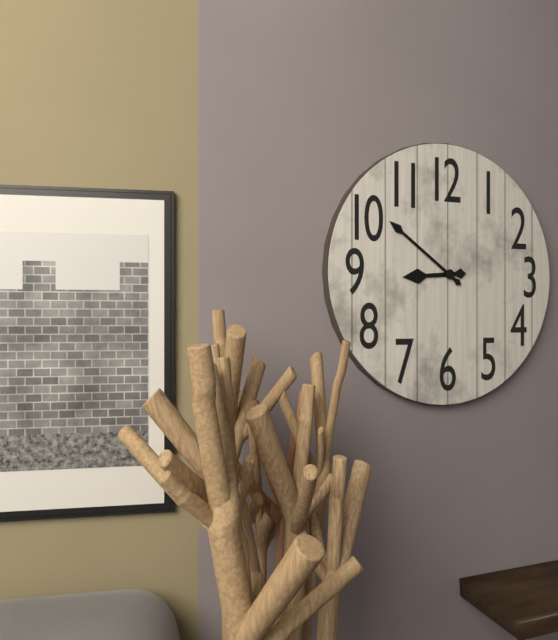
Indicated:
8.51
